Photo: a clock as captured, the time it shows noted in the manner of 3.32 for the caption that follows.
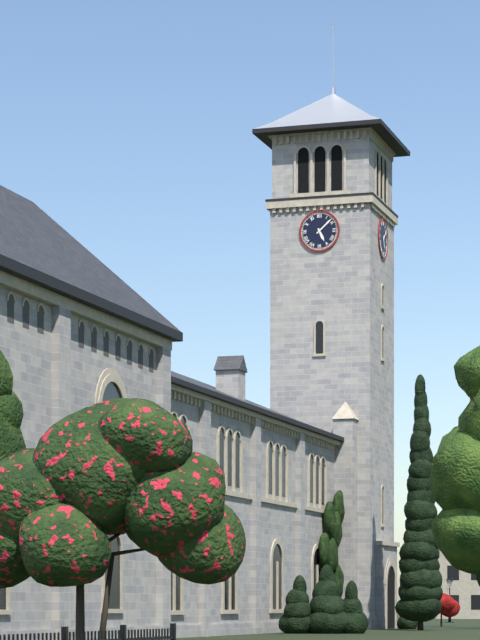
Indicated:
5.08
